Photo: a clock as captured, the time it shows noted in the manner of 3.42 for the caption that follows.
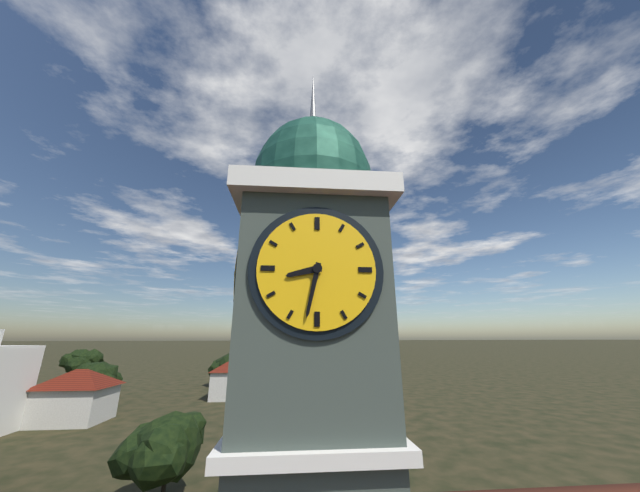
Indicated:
8.32
